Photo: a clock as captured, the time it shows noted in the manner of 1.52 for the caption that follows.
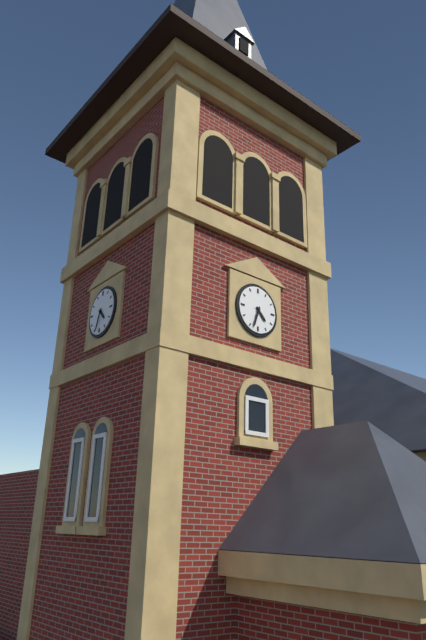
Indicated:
4.33
